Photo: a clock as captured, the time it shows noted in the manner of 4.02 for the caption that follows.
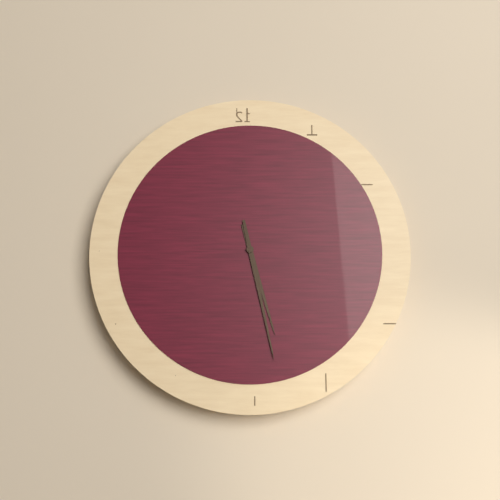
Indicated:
5.28
